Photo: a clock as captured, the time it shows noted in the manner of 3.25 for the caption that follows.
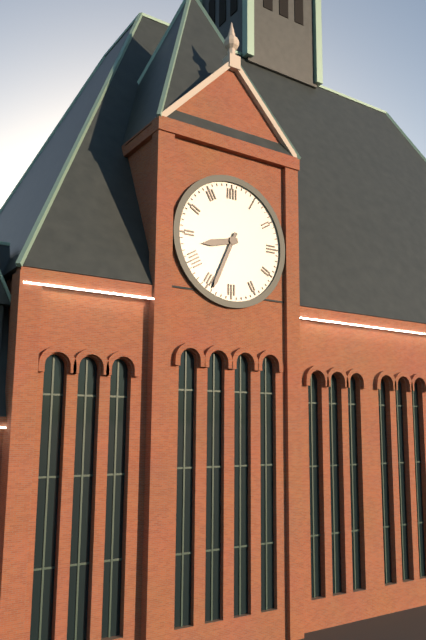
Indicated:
8.34
